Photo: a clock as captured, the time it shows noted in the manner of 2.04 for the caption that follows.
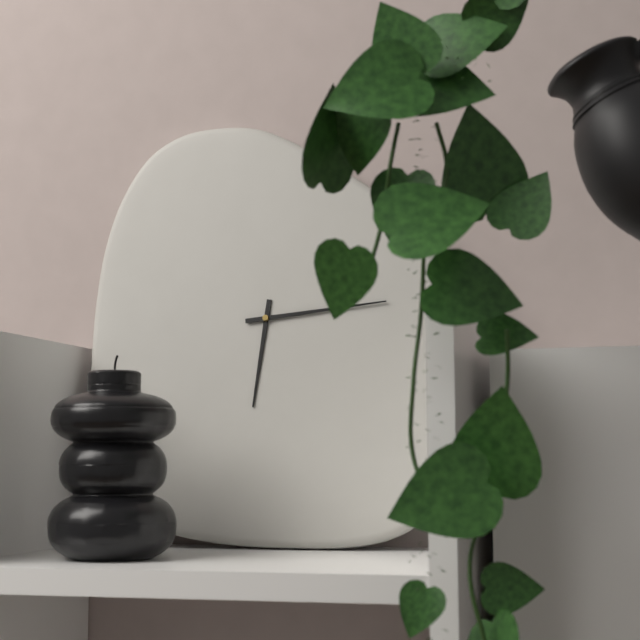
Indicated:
6.14
